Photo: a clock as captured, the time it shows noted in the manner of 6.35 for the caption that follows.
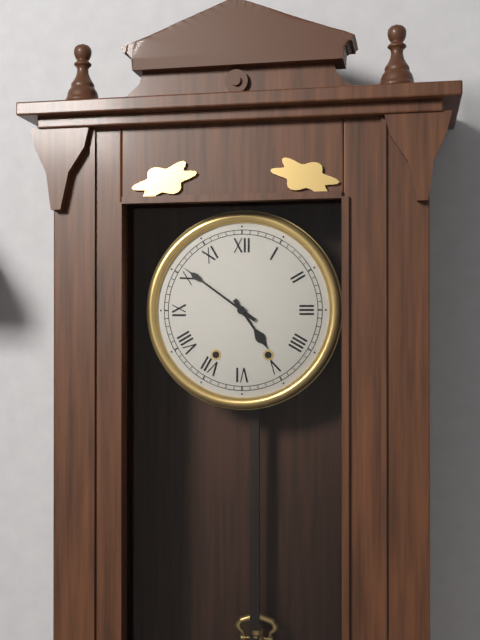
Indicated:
4.51
